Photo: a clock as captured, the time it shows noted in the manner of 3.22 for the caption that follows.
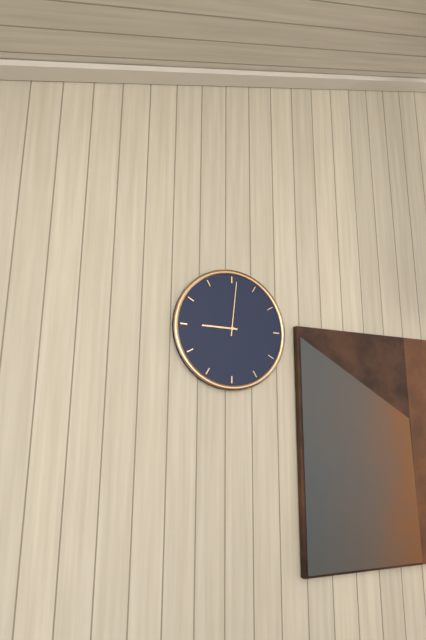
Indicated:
9.01
